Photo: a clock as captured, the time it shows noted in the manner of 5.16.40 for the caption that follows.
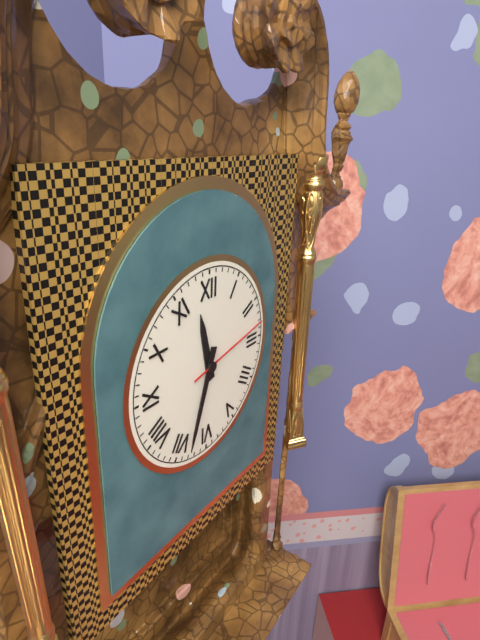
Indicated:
11.33.13
